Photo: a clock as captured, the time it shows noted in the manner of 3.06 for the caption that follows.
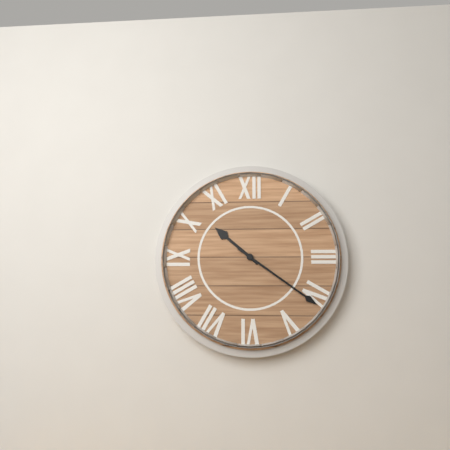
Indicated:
10.21
